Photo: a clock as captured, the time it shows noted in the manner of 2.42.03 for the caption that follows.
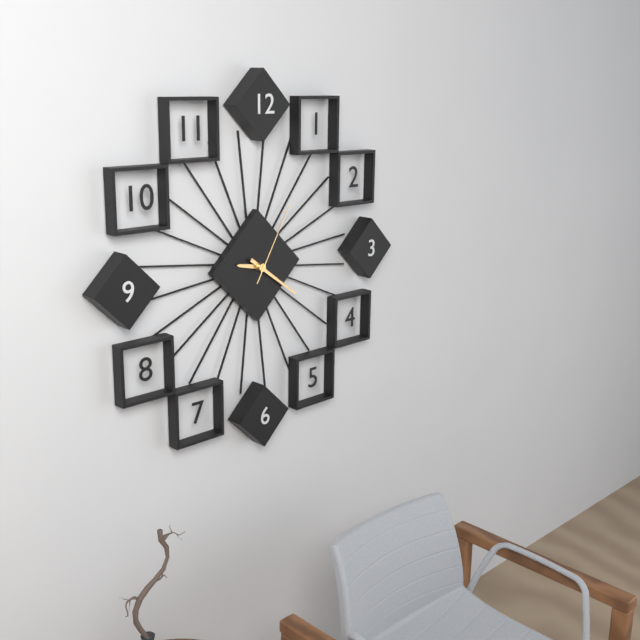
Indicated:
9.21.05
